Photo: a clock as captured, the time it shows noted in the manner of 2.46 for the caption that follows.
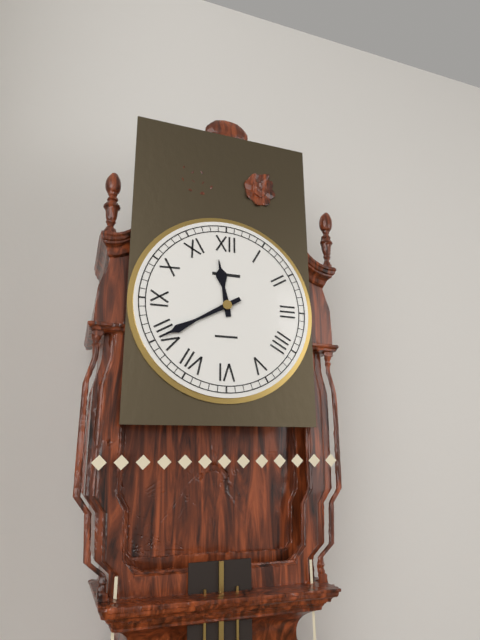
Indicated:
11.40
